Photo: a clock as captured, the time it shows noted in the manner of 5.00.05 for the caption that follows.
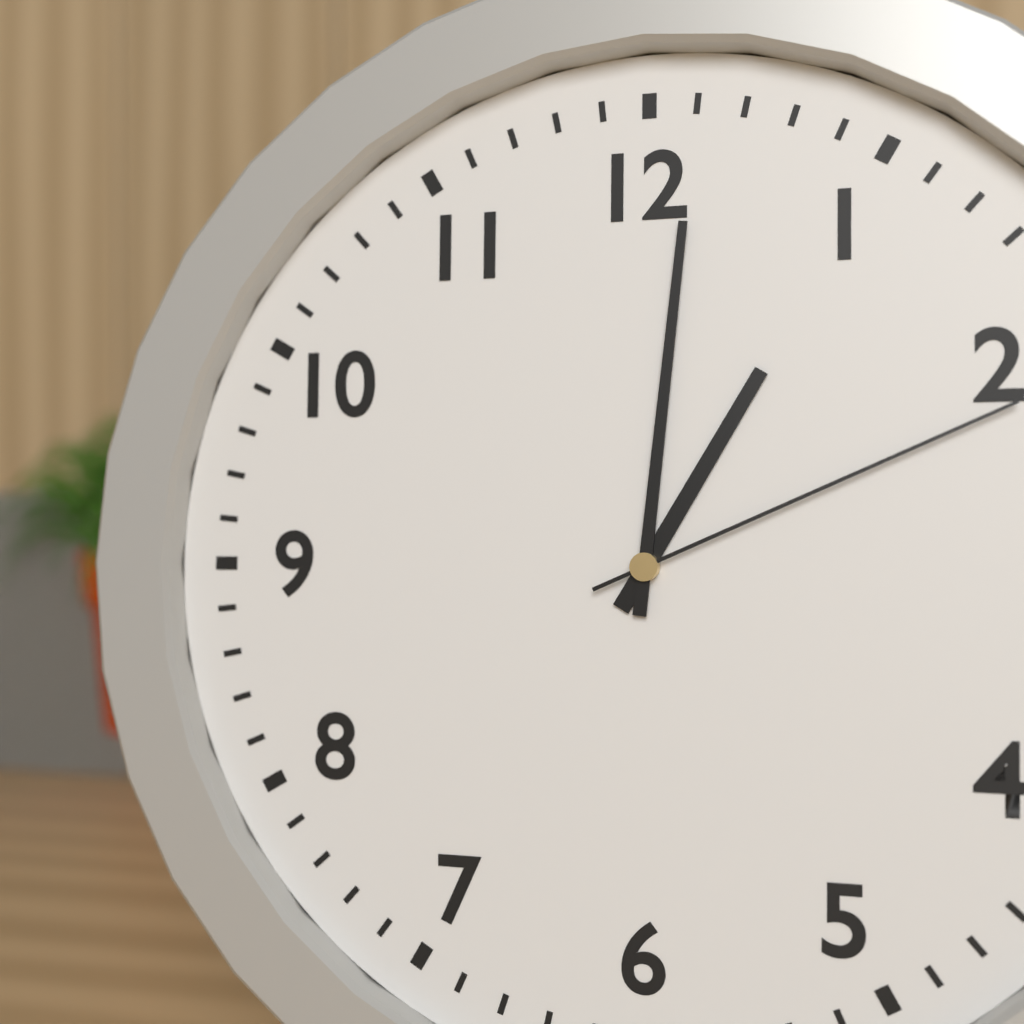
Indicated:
1.01.11
